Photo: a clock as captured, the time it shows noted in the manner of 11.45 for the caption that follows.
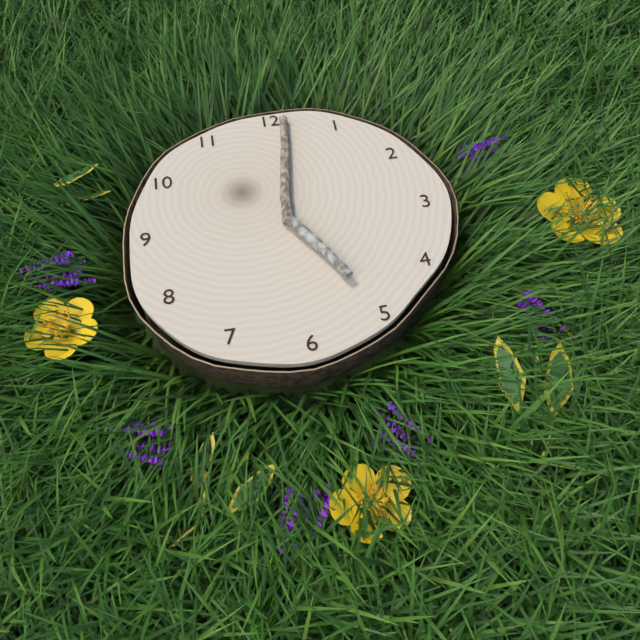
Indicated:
5.01
